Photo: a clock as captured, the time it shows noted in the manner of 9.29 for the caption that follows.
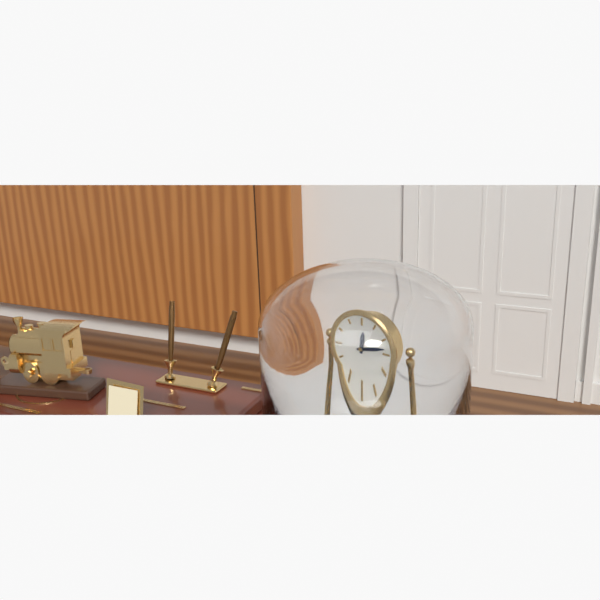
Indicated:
12.13
